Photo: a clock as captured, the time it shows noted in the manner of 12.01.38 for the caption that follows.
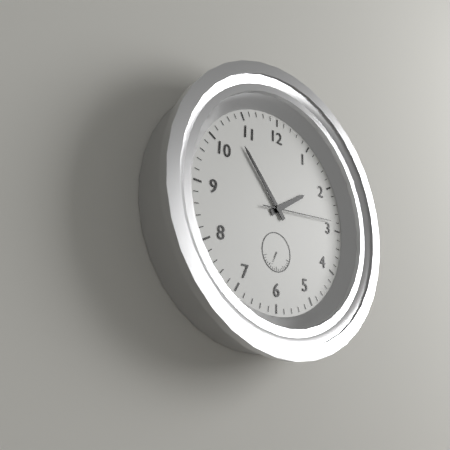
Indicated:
1.53.14
